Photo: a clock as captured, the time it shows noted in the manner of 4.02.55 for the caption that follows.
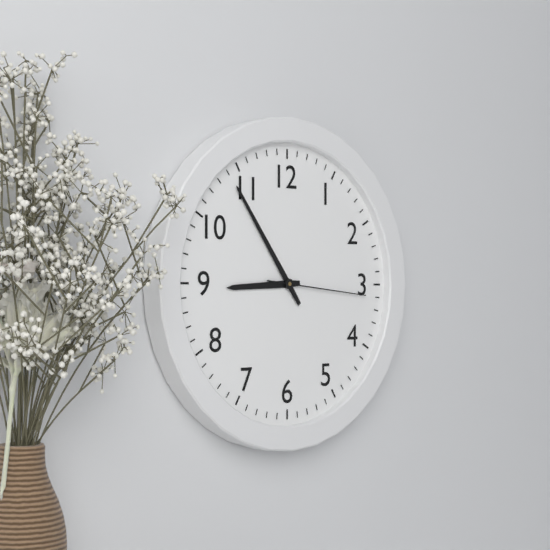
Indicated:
8.54.16
